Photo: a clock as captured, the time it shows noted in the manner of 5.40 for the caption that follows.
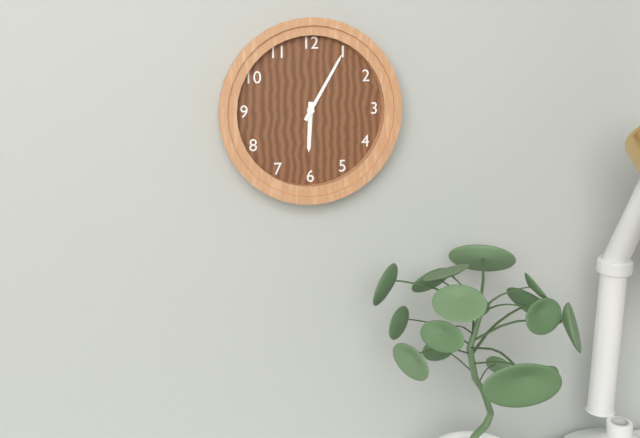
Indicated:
6.05
